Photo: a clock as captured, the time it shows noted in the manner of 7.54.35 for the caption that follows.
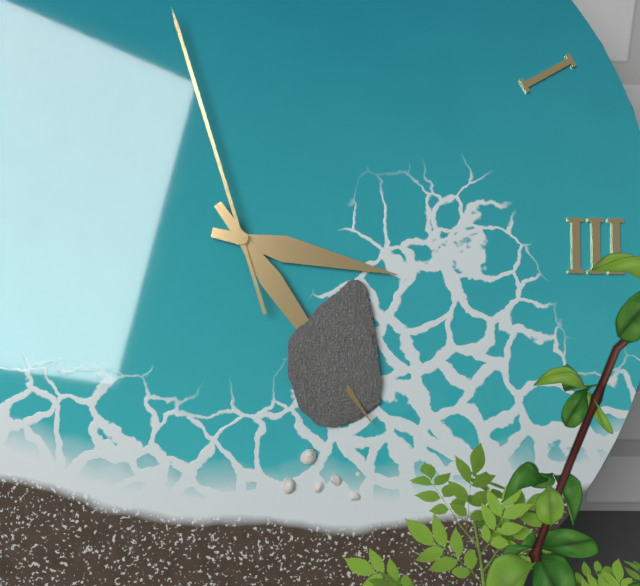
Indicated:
3.24.57
